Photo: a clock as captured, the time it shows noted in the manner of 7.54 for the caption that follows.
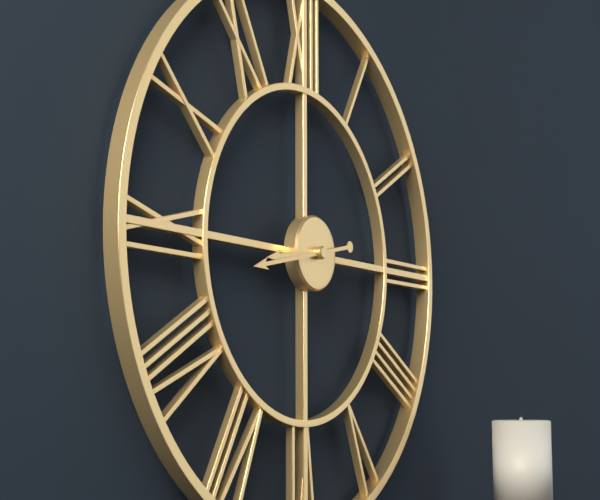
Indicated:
8.43
